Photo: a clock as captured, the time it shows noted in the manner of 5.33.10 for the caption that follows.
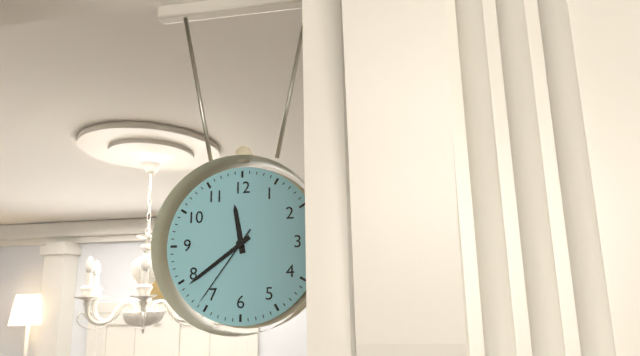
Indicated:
11.39.36
